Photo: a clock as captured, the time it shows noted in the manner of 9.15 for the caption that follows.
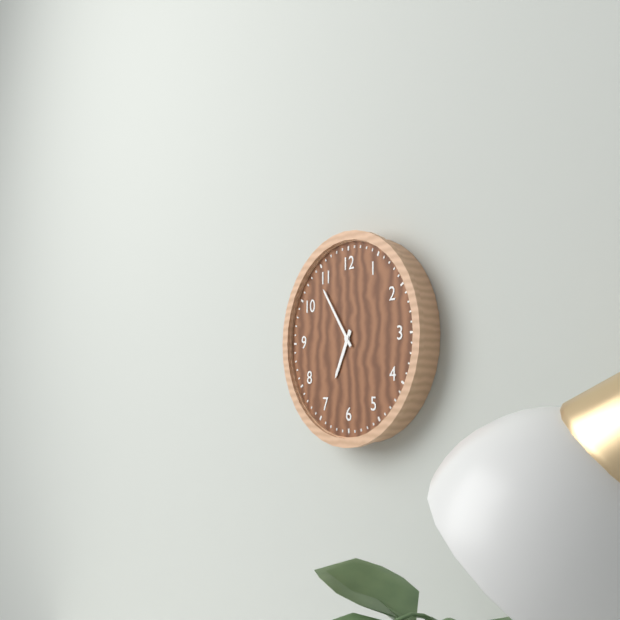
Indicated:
6.54
